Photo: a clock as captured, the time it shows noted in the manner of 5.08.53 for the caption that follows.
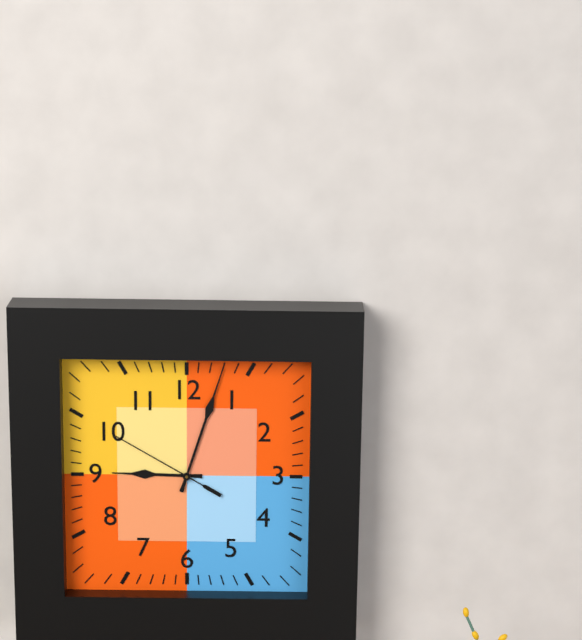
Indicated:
9.03.50
